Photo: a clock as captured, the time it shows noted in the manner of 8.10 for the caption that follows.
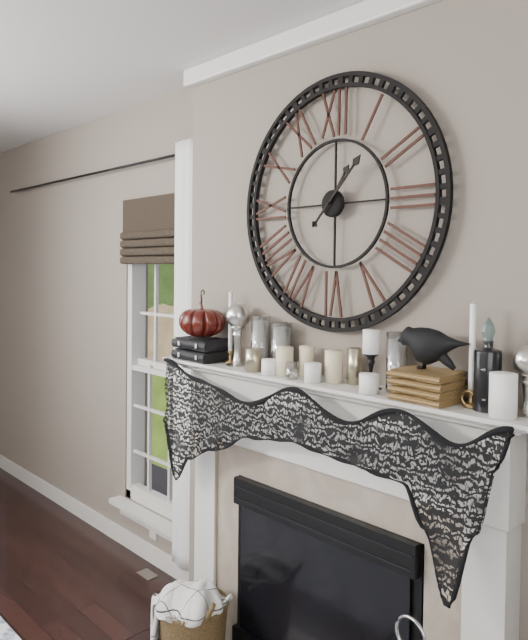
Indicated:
1.07
